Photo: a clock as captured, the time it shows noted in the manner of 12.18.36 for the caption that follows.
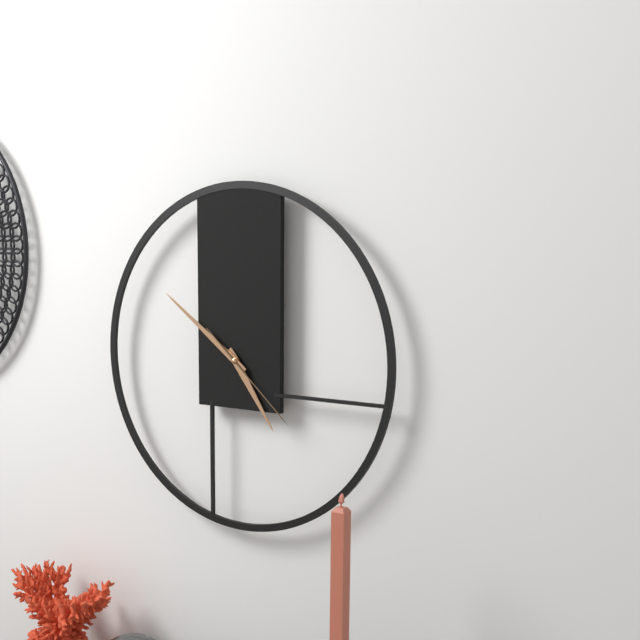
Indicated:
4.51.22
